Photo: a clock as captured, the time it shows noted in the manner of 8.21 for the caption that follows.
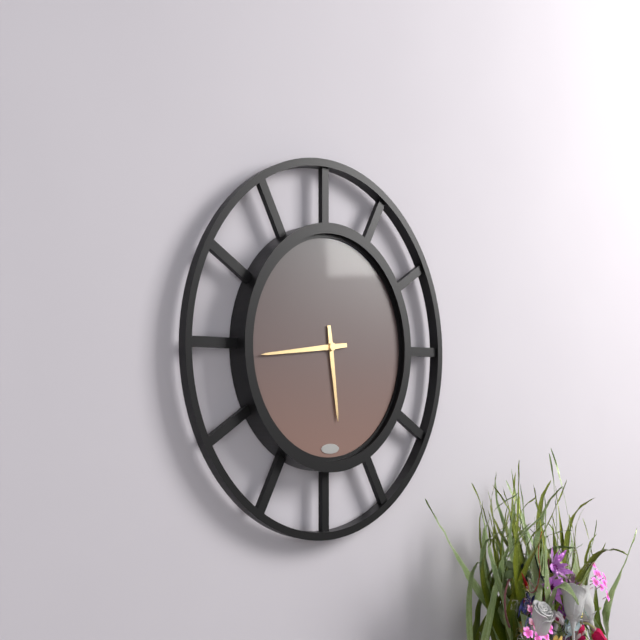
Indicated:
5.44
